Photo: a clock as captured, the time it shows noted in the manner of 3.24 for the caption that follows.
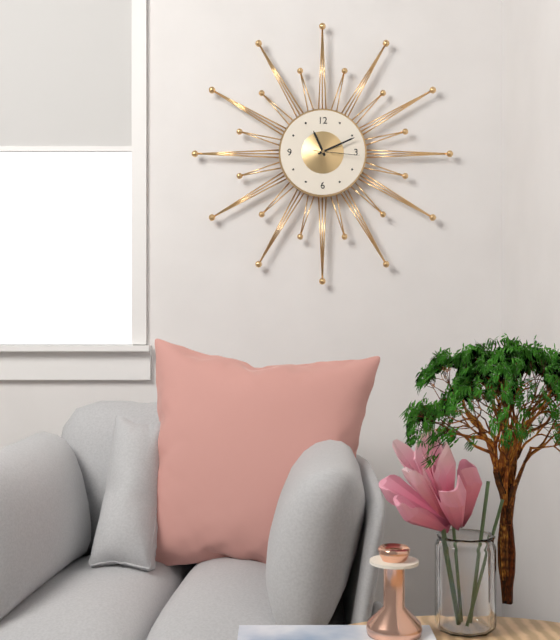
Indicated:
11.11
